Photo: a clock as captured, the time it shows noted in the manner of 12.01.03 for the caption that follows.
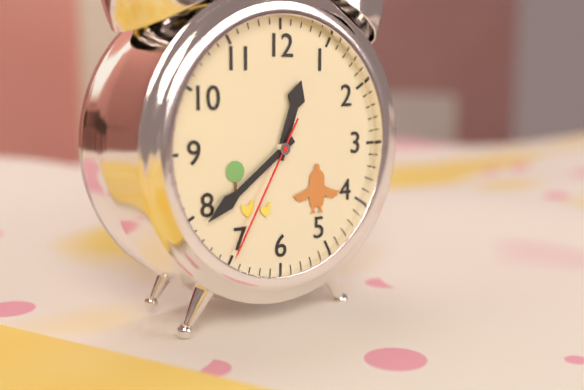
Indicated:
12.39.35
